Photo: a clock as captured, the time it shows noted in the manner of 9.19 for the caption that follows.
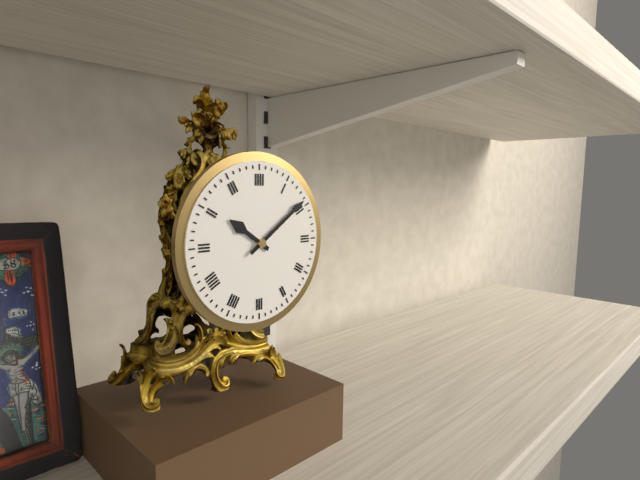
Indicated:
10.09
